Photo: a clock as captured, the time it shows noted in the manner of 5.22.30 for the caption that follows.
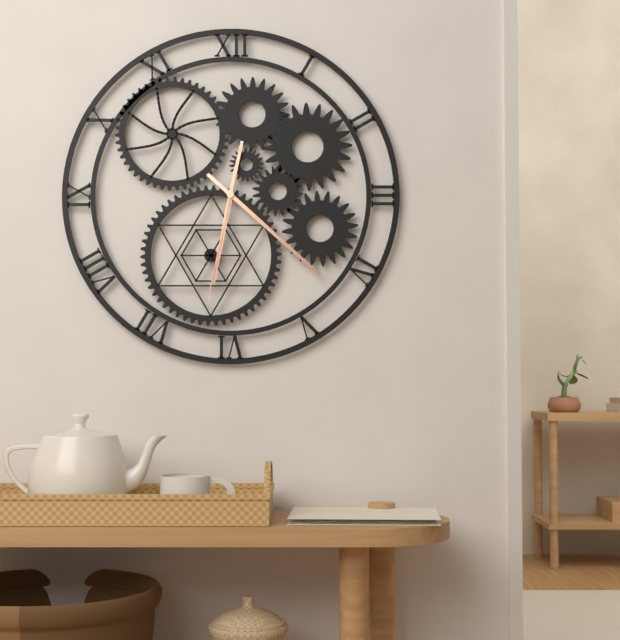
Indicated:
6.22.32
